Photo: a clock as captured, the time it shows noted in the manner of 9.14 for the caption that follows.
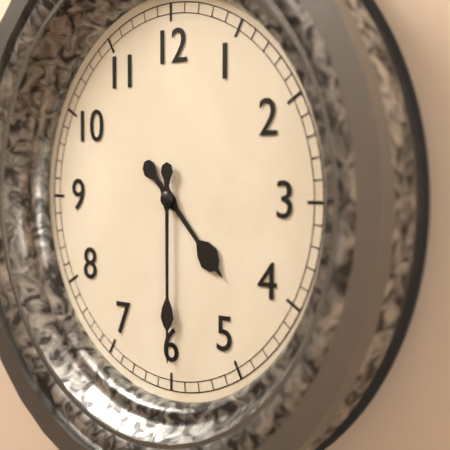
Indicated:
4.30
